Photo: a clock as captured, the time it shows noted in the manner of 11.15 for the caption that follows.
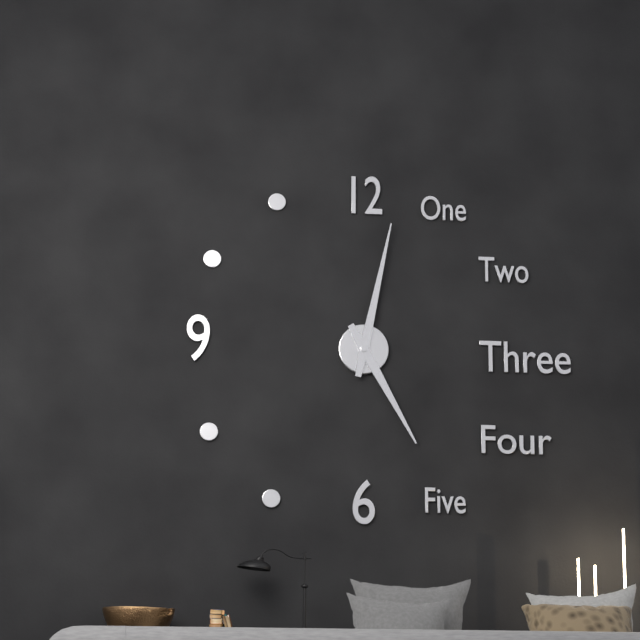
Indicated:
5.02
